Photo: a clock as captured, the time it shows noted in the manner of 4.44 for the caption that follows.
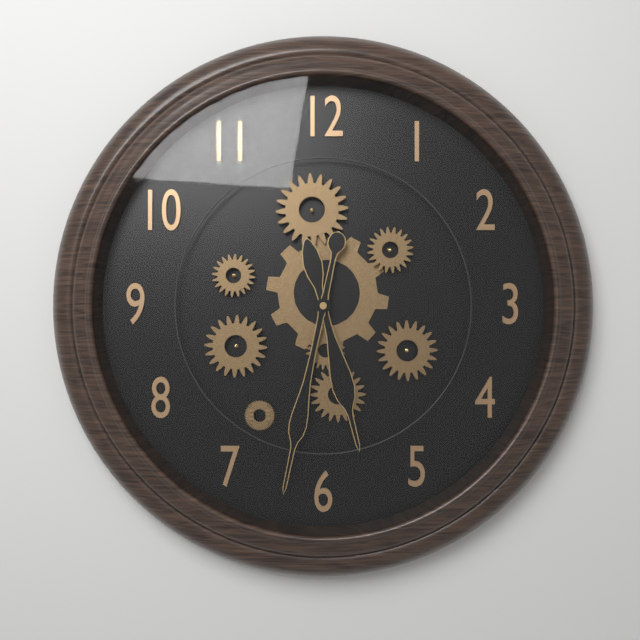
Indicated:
5.32
